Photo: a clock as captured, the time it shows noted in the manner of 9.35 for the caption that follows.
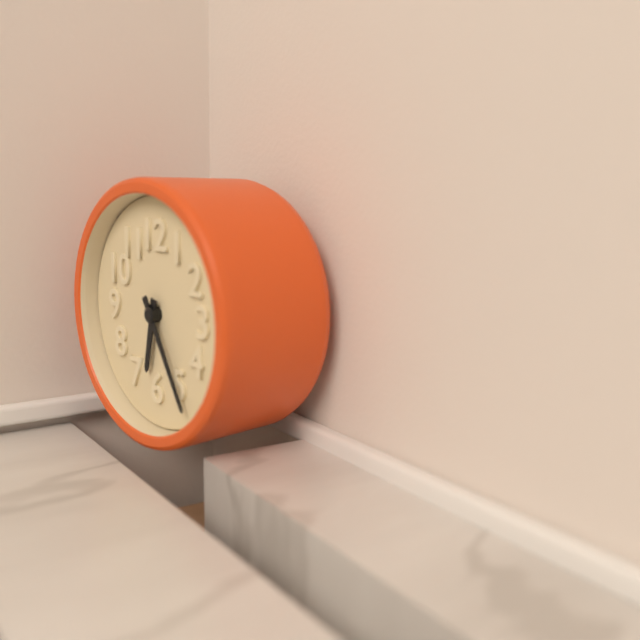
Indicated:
6.25
